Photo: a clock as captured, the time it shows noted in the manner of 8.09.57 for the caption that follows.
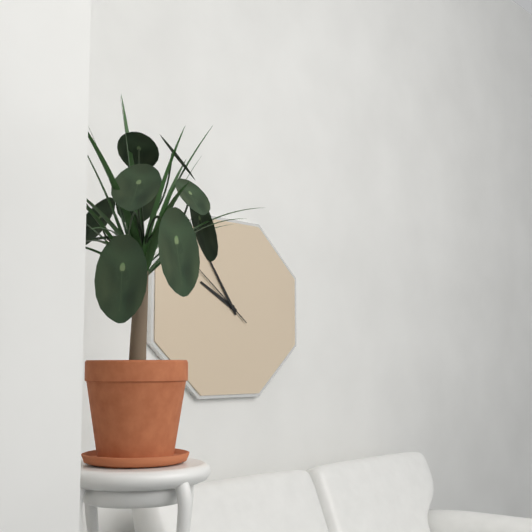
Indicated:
9.54.51
